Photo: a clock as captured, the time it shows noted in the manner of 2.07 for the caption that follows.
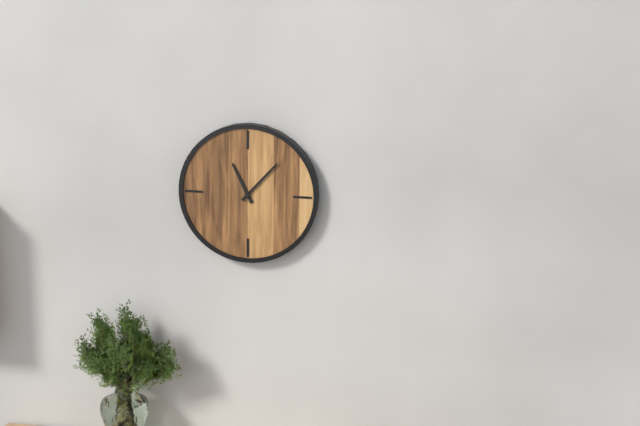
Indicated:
11.07
